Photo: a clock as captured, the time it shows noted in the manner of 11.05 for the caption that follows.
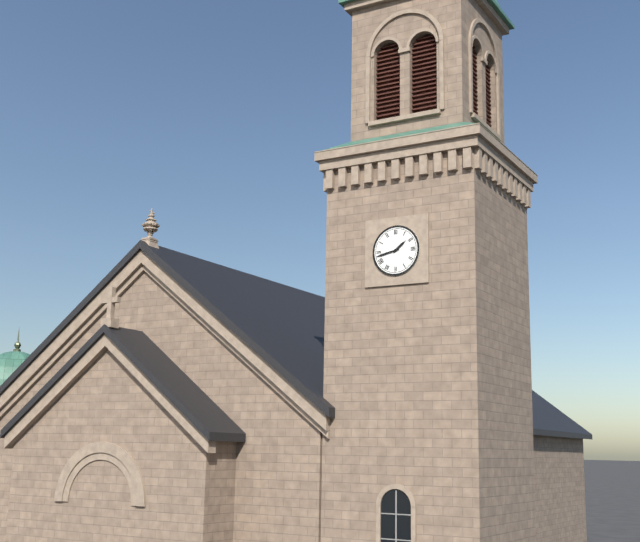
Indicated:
1.43
